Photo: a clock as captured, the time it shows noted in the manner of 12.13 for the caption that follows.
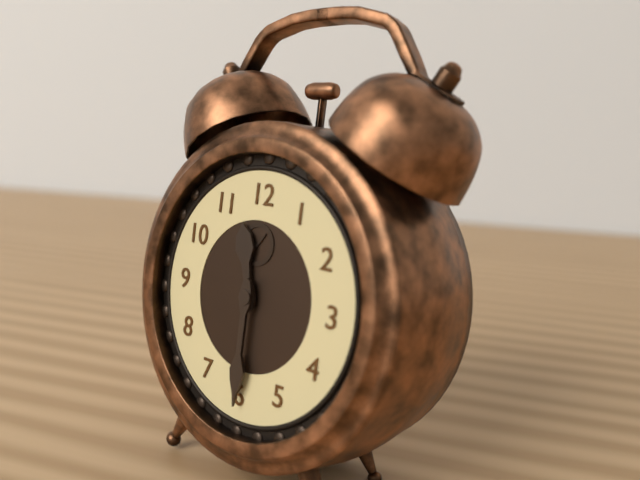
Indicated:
11.30
